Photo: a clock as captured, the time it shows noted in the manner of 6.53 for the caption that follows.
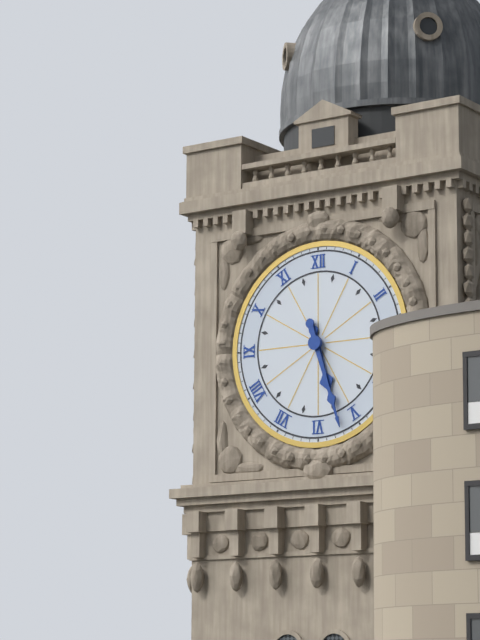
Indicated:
5.27
